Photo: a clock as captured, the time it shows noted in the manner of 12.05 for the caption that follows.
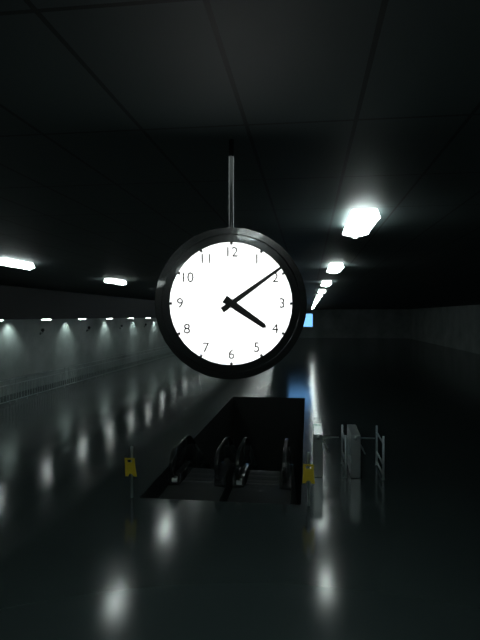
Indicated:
4.09
